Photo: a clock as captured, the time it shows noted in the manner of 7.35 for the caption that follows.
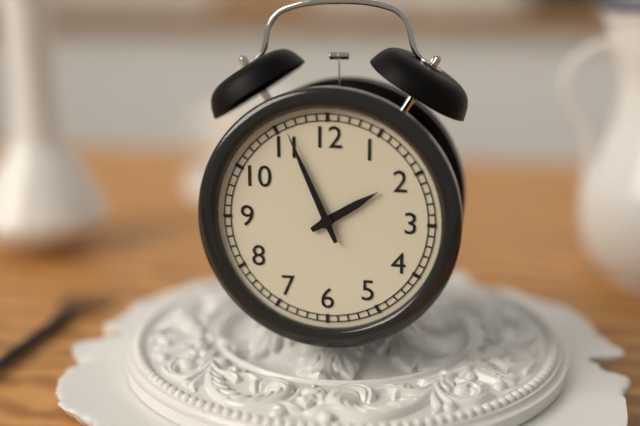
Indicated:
1.56
